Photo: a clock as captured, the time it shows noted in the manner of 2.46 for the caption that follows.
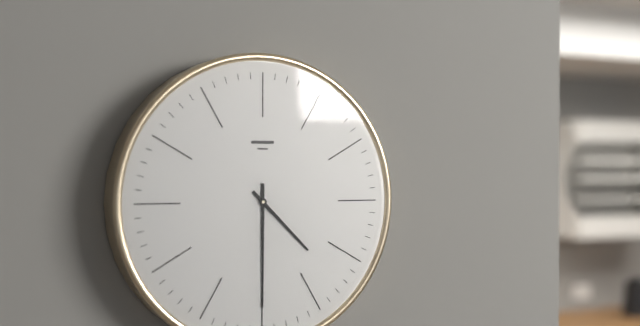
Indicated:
4.30
